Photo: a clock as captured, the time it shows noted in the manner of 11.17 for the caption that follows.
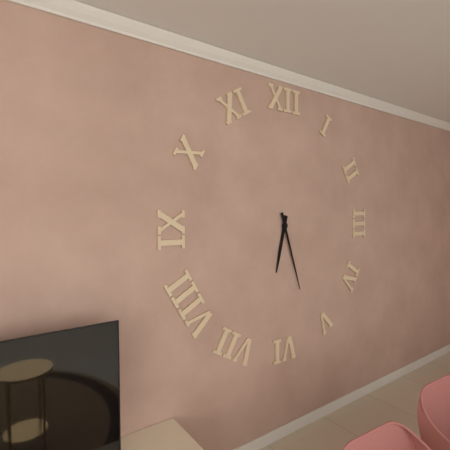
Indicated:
6.27
